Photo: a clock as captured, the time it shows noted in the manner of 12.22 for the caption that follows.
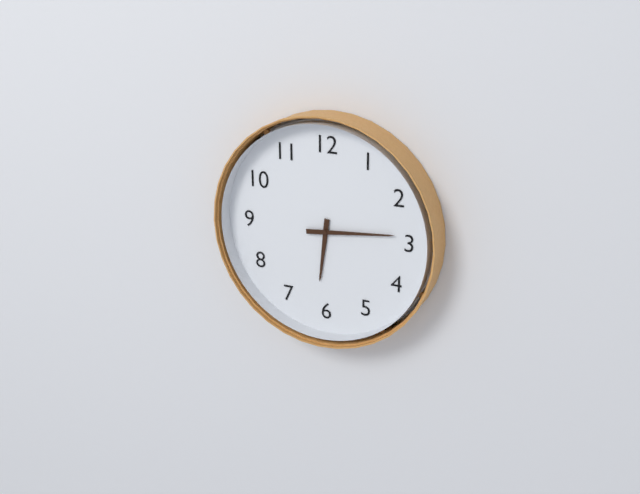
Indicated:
6.14
